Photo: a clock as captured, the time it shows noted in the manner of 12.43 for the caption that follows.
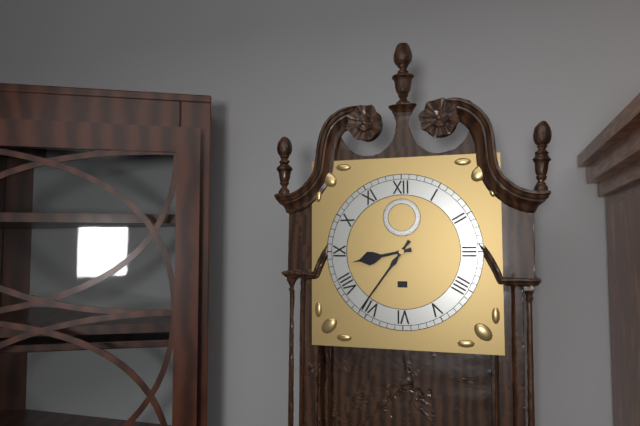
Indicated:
8.36
